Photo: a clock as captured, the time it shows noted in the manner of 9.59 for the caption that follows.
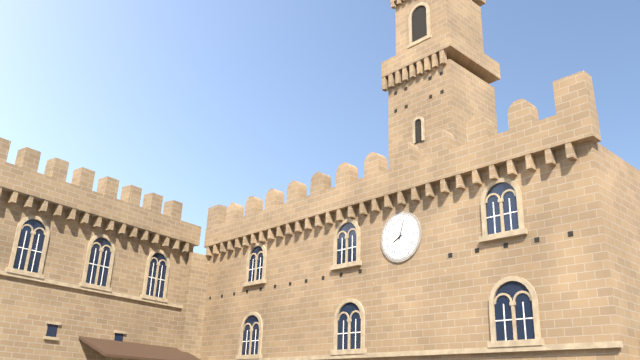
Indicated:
8.03
